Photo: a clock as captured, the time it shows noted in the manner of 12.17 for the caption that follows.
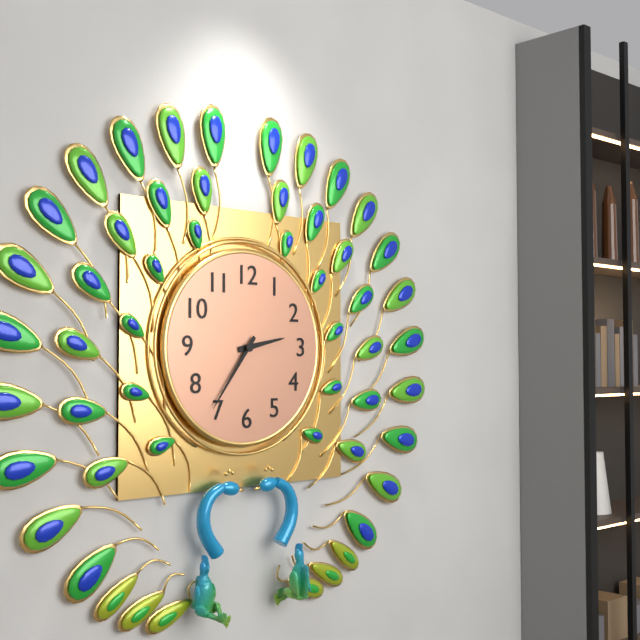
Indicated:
2.36
